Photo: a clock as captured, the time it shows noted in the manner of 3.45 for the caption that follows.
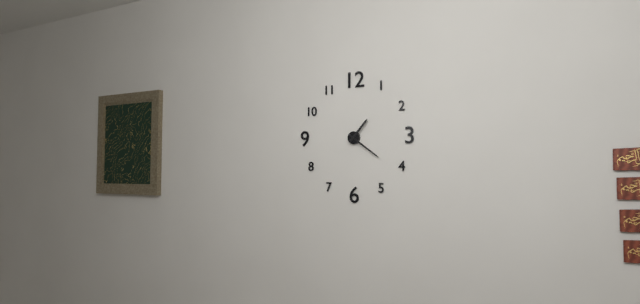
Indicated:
1.21
